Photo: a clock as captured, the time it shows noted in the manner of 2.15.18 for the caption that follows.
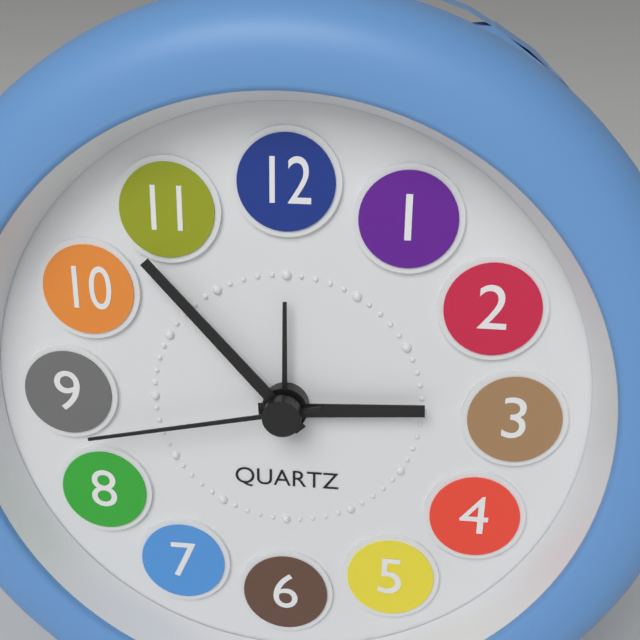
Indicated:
2.53.43
